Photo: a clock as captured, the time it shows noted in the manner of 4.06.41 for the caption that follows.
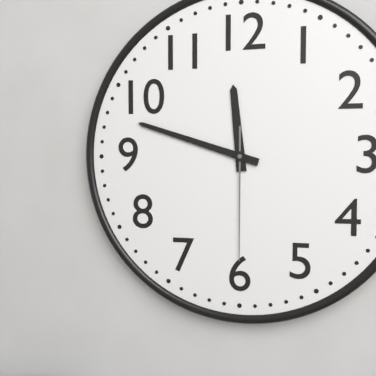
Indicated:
11.48.30
